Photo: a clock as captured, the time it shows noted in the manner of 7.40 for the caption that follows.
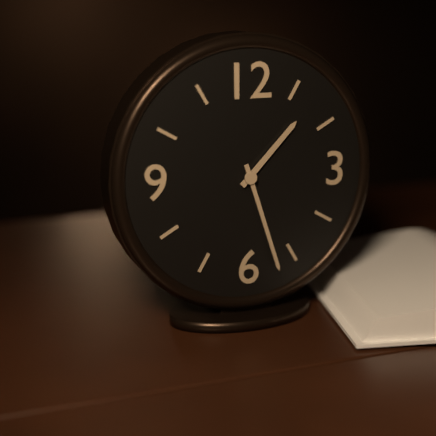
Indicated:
1.27
